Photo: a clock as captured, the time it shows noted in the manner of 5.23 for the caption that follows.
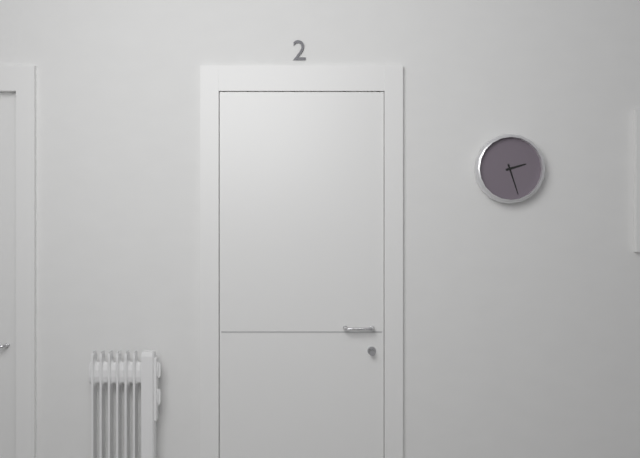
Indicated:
2.27
